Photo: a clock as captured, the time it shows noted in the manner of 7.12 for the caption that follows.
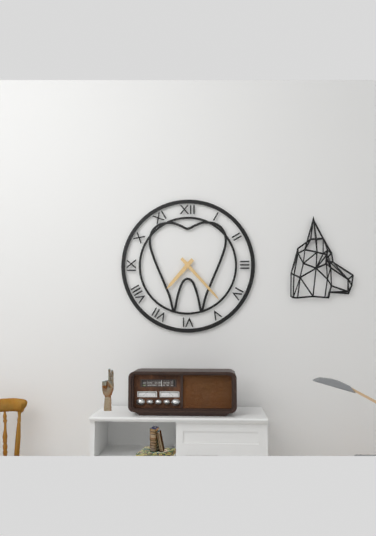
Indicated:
7.23
